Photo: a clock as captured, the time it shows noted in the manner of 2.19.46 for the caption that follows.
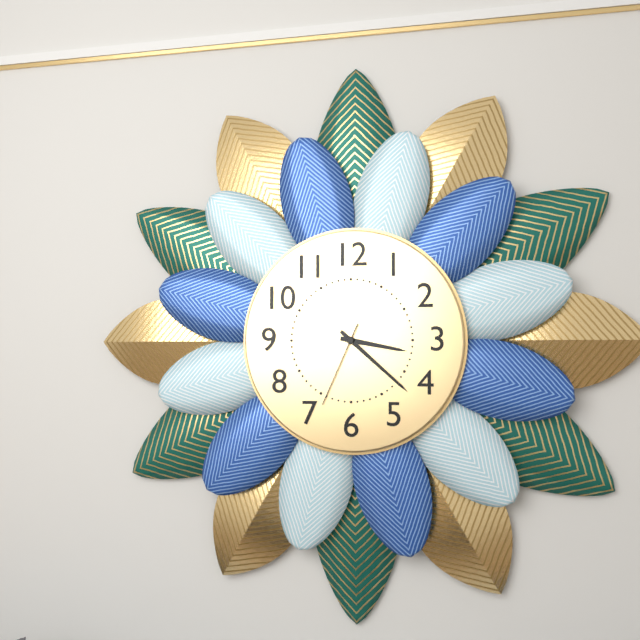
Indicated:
3.22.34
